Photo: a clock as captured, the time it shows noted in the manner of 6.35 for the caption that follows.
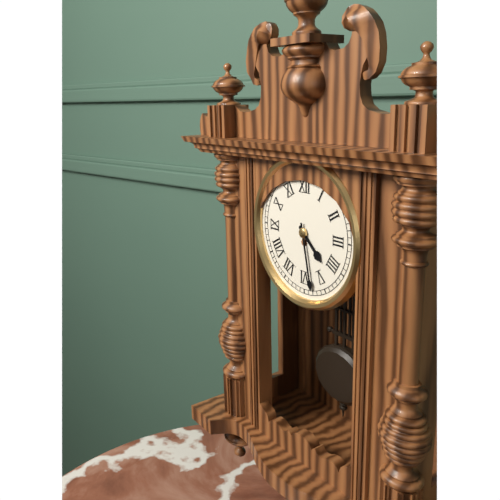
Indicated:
4.28
